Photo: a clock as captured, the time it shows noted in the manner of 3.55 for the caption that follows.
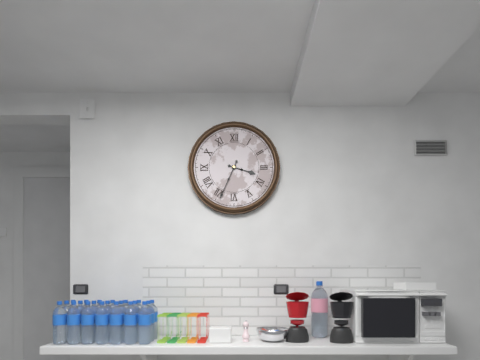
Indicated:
3.34
